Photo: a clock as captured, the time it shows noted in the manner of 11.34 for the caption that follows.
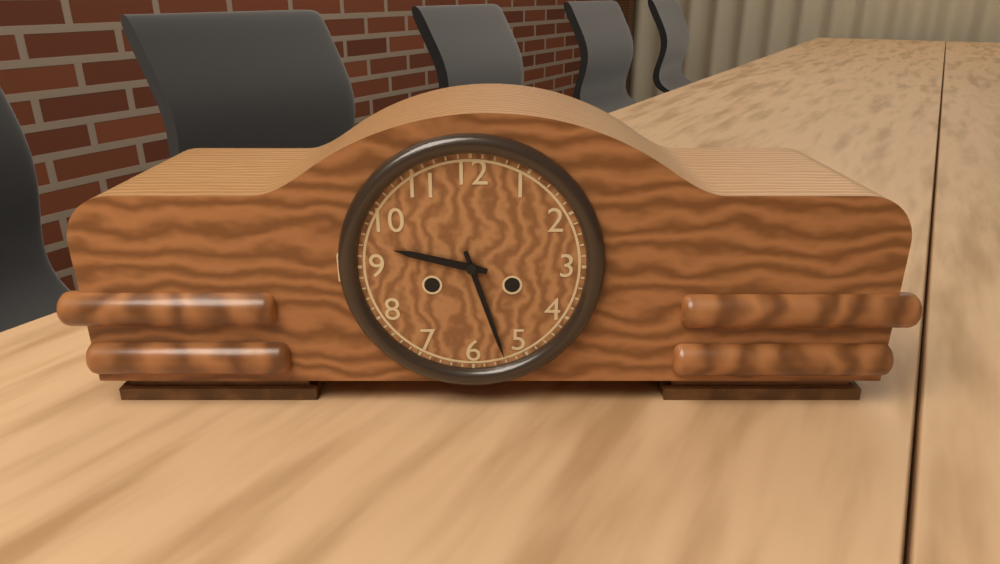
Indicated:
9.27
